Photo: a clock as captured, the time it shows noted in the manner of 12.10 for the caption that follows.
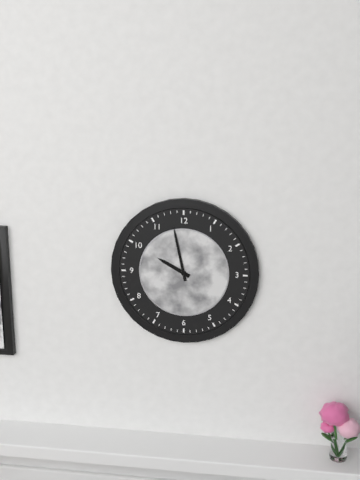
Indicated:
9.58
